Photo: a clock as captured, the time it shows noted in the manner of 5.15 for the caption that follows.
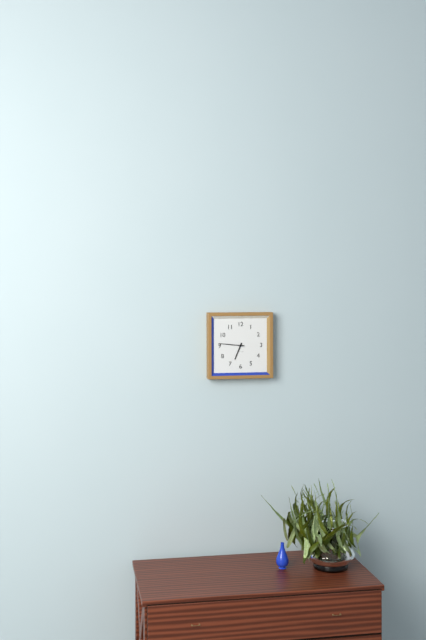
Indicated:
6.46
